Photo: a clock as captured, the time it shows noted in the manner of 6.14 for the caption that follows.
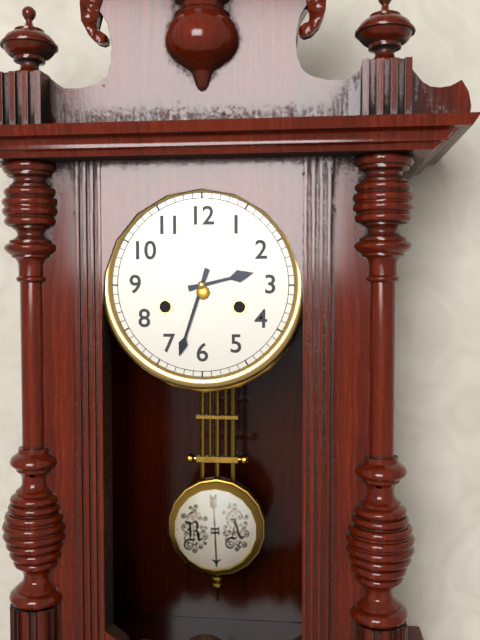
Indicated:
2.33
